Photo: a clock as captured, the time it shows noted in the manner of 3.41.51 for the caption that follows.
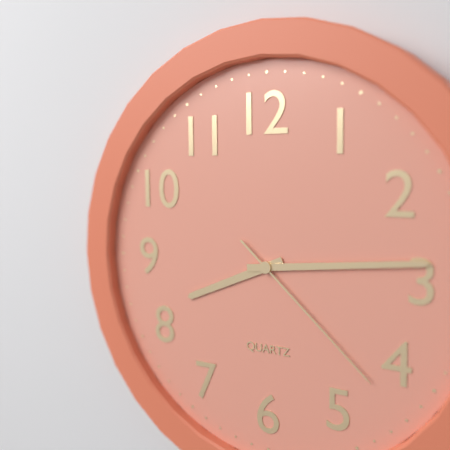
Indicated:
8.14.22
